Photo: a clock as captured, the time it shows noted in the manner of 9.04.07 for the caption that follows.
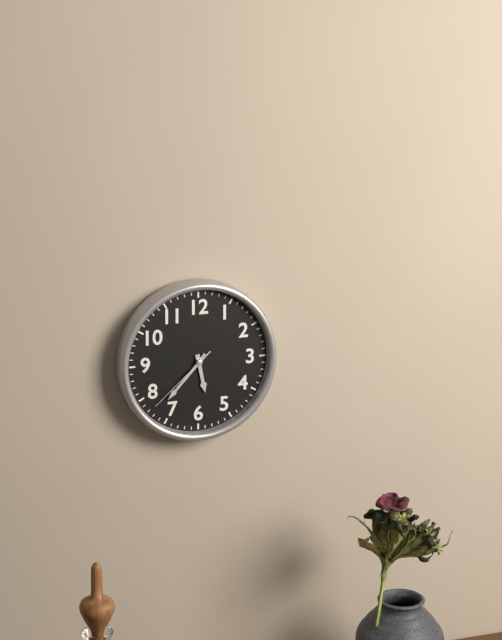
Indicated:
5.37.38
